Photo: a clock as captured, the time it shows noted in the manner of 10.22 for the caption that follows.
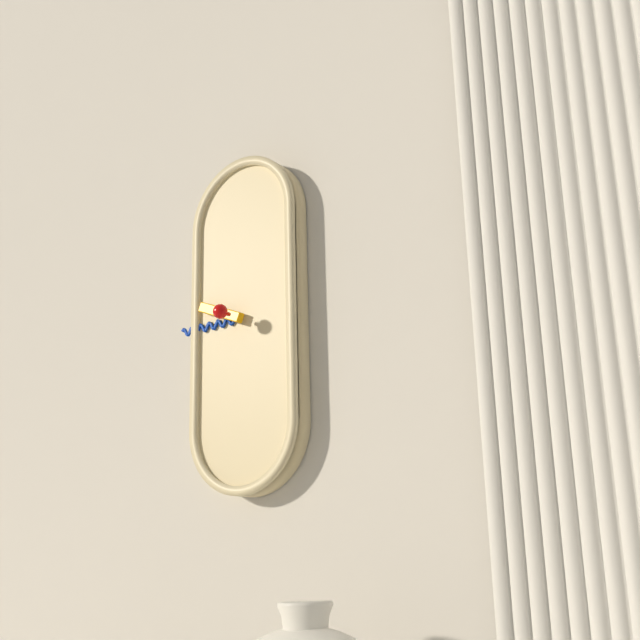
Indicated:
9.45
